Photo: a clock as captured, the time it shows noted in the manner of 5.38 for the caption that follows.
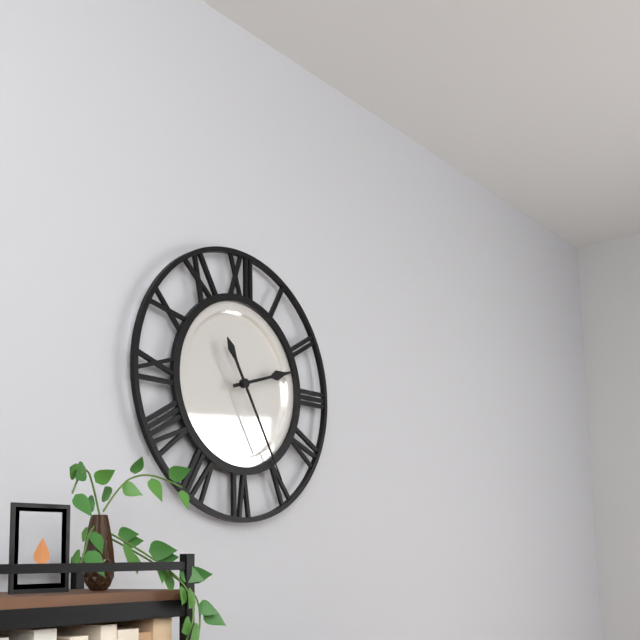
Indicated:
2.25
